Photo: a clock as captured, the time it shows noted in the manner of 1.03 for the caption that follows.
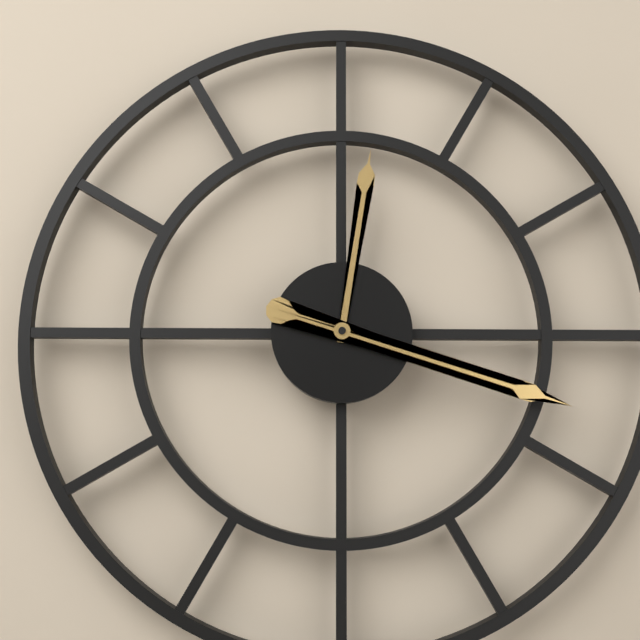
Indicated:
12.18
